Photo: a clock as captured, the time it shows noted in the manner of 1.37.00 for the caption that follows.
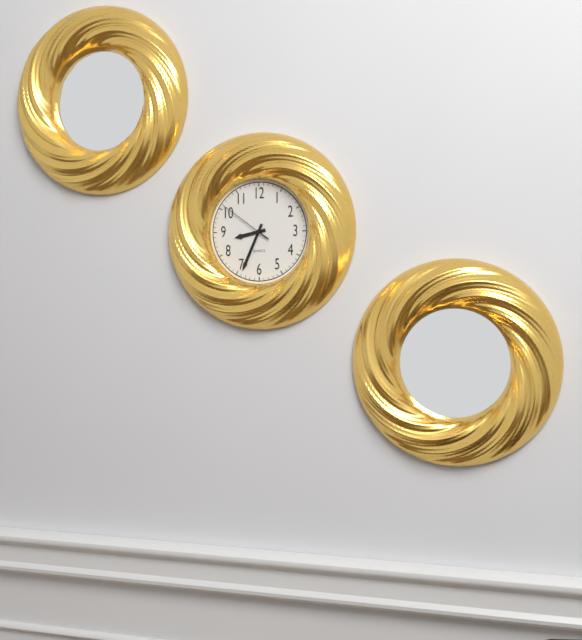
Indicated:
8.34.51
